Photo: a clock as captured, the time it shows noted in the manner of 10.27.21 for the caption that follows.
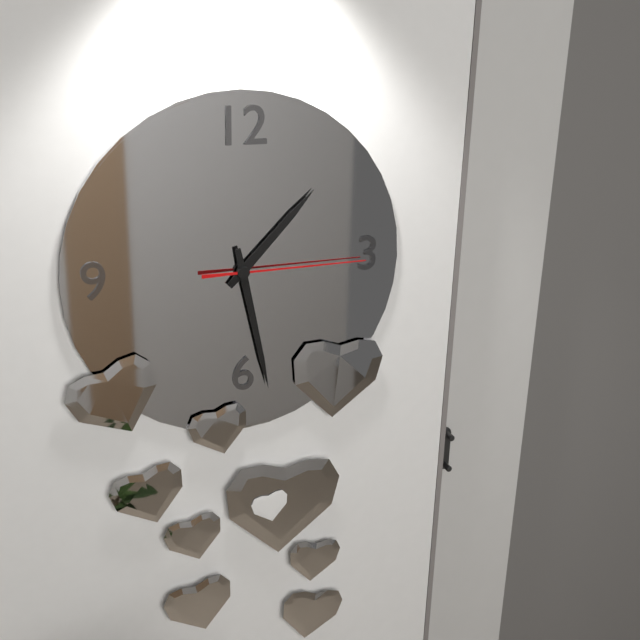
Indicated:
1.28.15
